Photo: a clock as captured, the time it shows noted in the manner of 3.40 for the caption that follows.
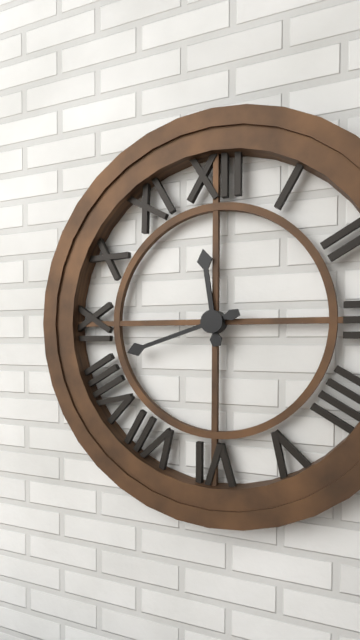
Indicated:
11.42
